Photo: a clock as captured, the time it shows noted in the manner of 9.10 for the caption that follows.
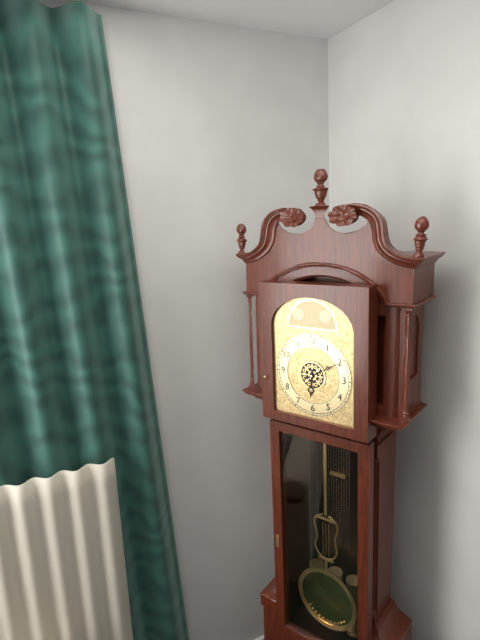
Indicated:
6.10
